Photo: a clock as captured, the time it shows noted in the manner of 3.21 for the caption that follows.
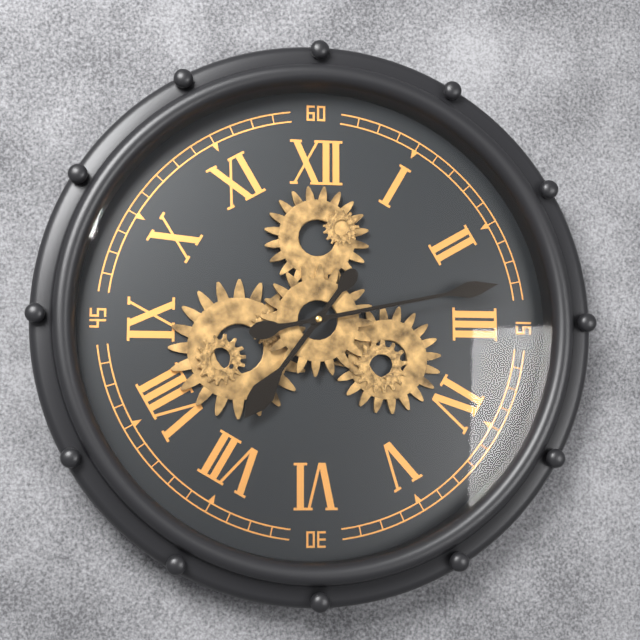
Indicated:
7.13
